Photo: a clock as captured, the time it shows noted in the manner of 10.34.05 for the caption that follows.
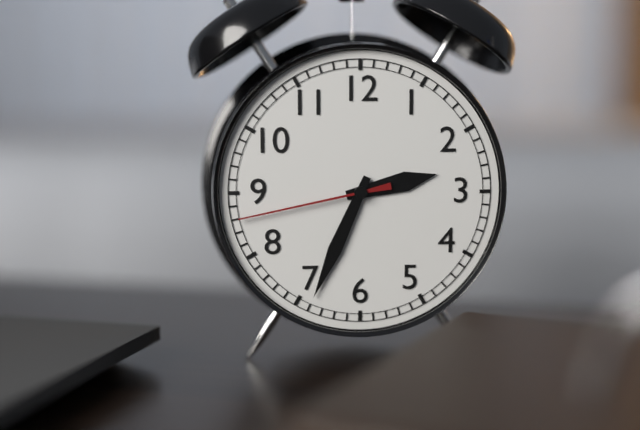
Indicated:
2.34.43
